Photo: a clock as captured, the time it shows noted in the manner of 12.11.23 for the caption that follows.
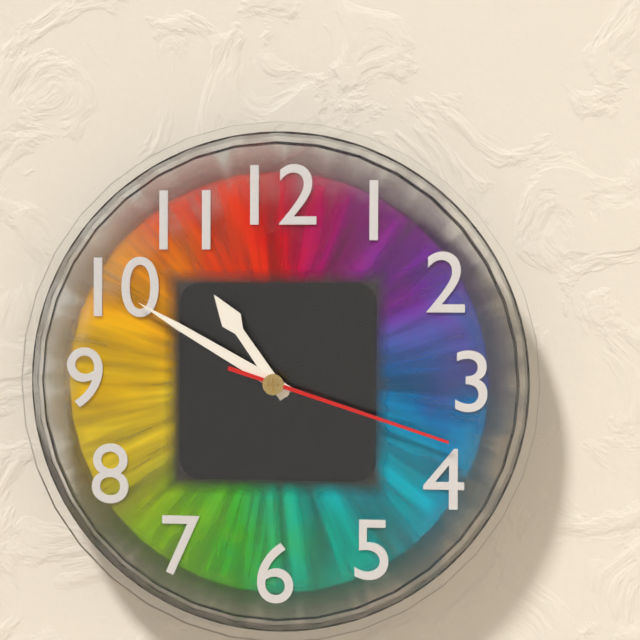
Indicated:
10.50.18
